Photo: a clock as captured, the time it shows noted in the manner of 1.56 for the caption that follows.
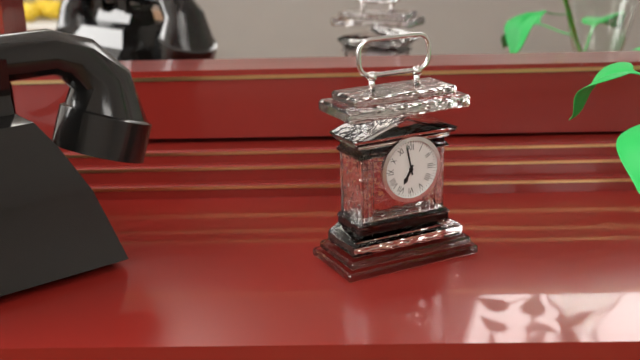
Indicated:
6.58
